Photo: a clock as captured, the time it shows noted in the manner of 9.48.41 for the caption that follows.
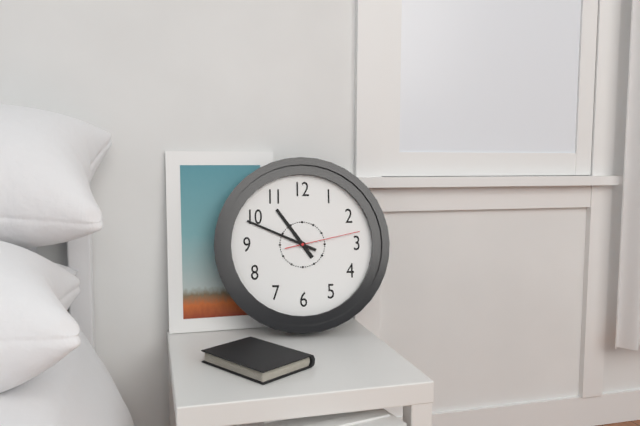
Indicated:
10.49.13
